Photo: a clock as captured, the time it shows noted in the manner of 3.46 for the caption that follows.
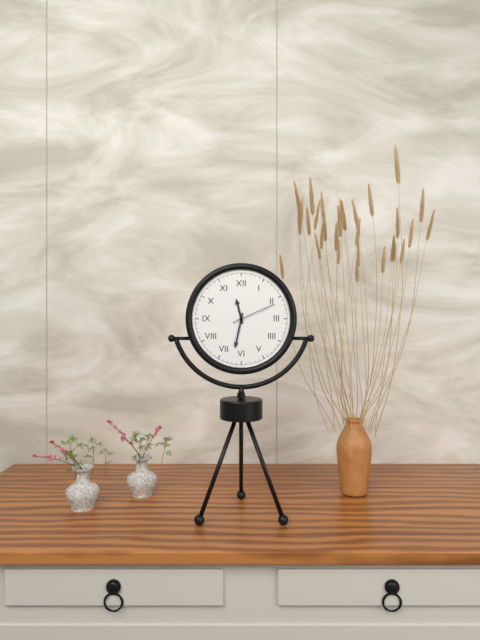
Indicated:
11.32
